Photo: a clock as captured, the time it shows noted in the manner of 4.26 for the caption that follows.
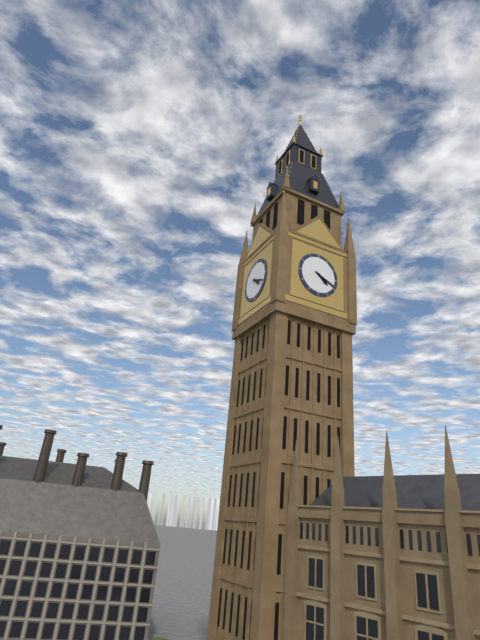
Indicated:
4.19
